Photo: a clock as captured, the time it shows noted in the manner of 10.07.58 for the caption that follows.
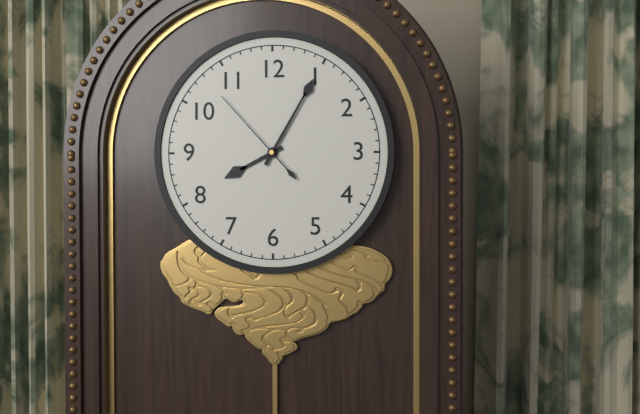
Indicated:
8.05.53
